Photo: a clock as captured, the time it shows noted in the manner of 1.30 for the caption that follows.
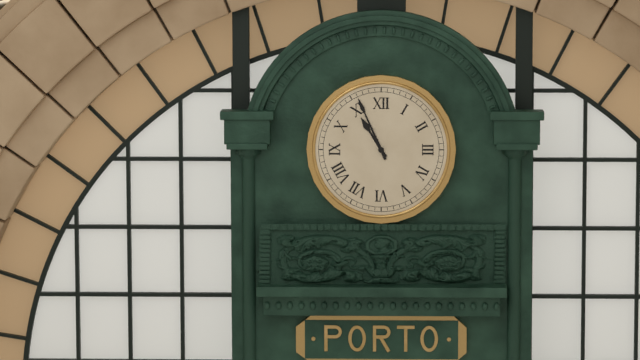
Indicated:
10.56
